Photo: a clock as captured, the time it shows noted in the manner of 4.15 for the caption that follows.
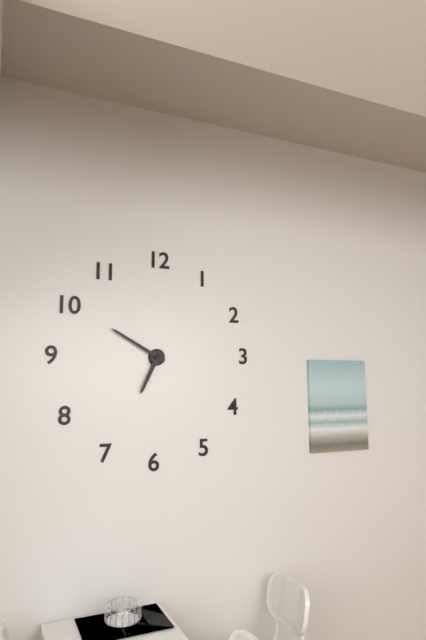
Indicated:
6.50
